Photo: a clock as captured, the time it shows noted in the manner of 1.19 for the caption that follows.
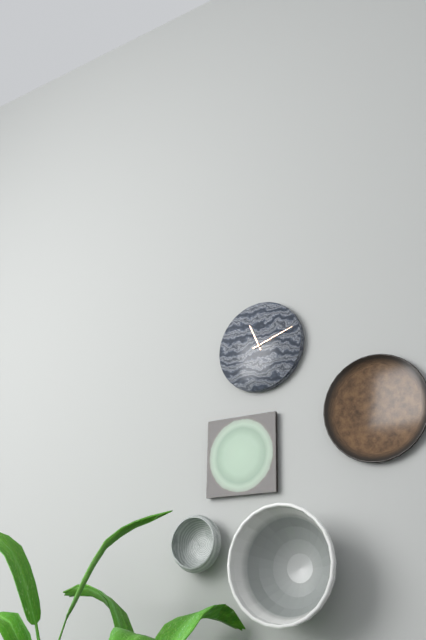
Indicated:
11.12
